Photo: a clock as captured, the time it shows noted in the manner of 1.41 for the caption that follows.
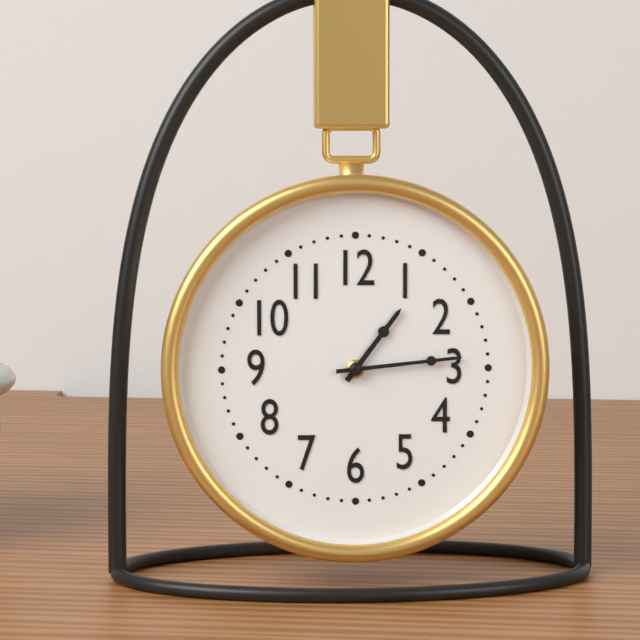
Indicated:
1.14
